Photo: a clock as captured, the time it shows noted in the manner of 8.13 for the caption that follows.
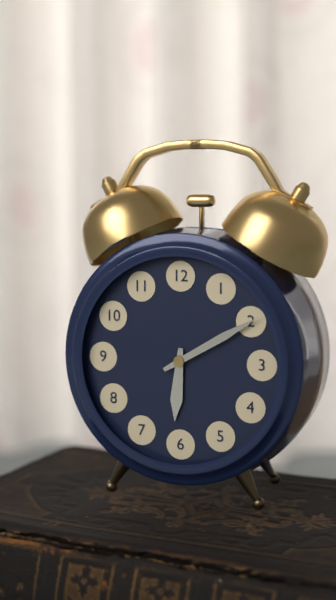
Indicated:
6.10
